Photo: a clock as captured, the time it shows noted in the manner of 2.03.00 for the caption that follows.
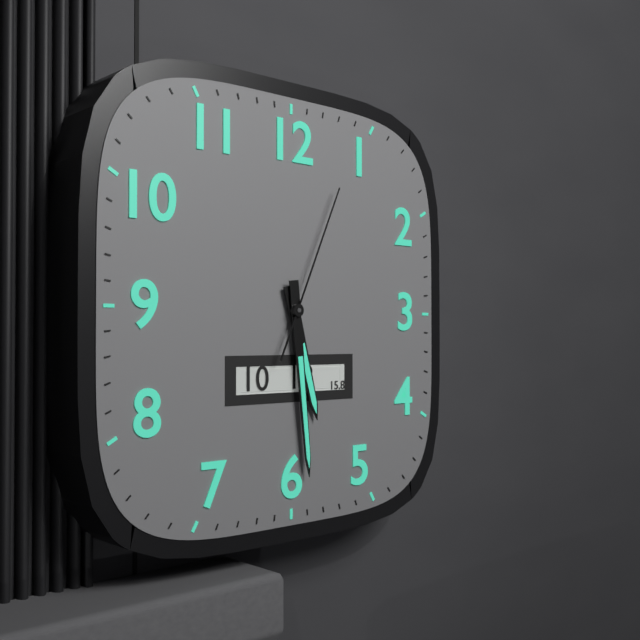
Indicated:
5.29.04
